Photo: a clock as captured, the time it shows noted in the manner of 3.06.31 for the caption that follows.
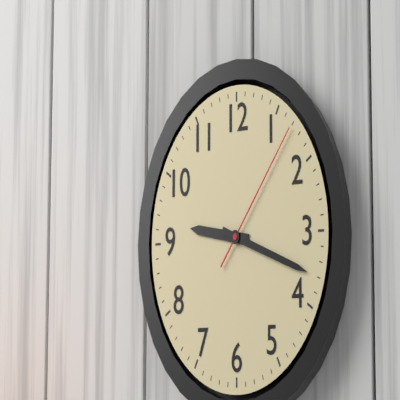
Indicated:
9.18.07
